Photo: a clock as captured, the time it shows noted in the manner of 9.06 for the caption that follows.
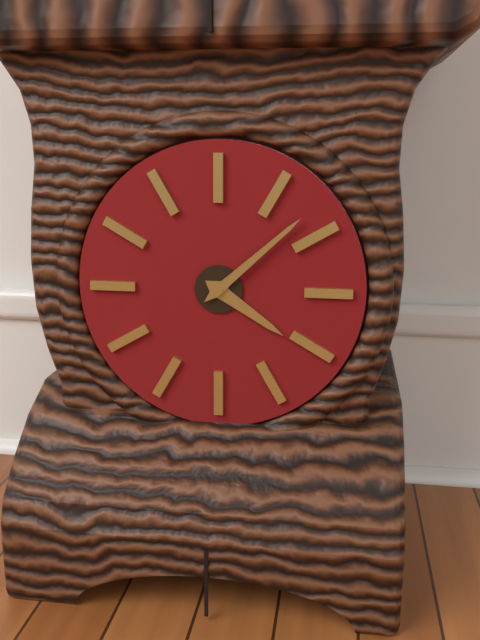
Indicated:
4.08
